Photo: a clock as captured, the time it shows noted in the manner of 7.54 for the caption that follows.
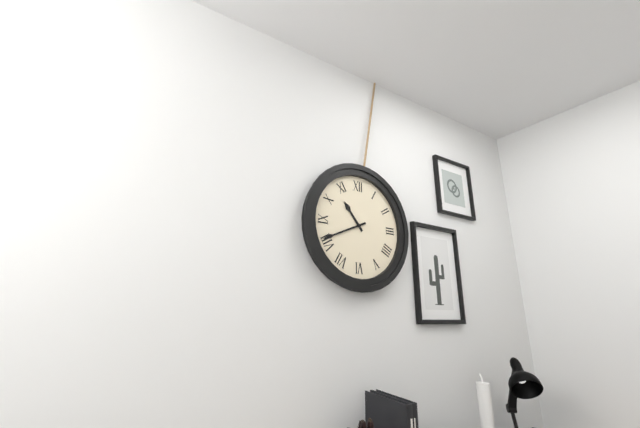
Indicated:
10.41
